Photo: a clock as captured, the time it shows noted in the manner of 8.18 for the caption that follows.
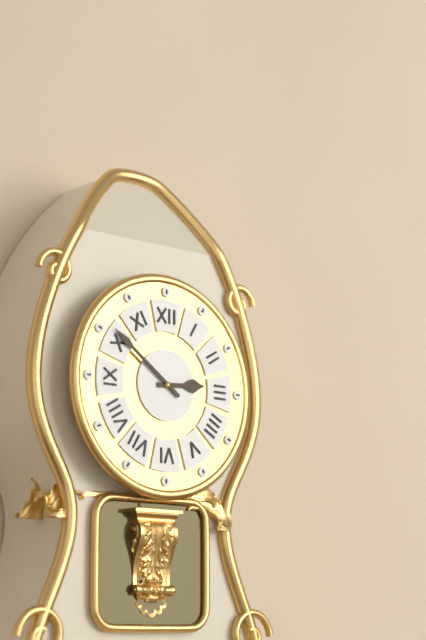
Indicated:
2.51
